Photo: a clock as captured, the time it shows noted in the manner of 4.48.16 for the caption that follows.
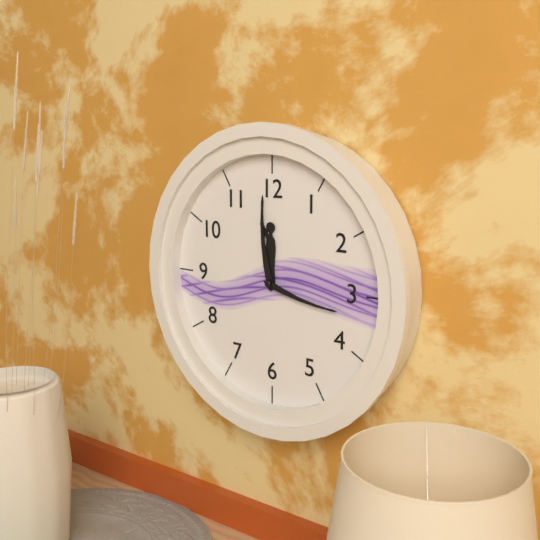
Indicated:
11.59.17
